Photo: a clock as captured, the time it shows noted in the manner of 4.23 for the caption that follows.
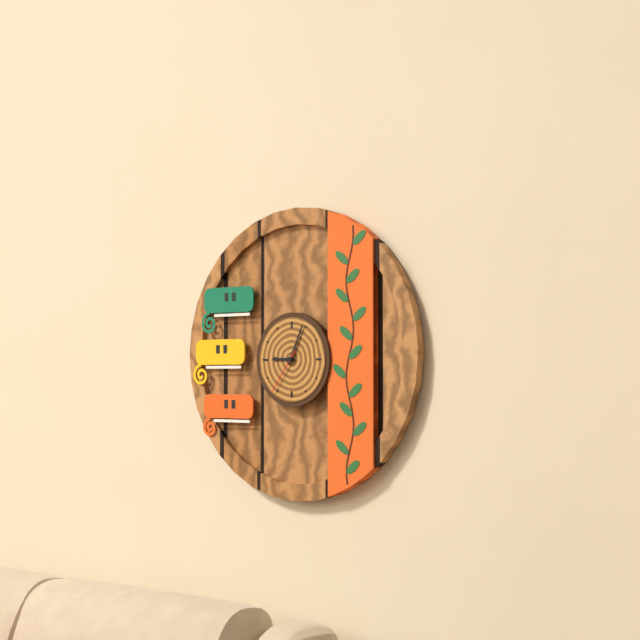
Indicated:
9.04
